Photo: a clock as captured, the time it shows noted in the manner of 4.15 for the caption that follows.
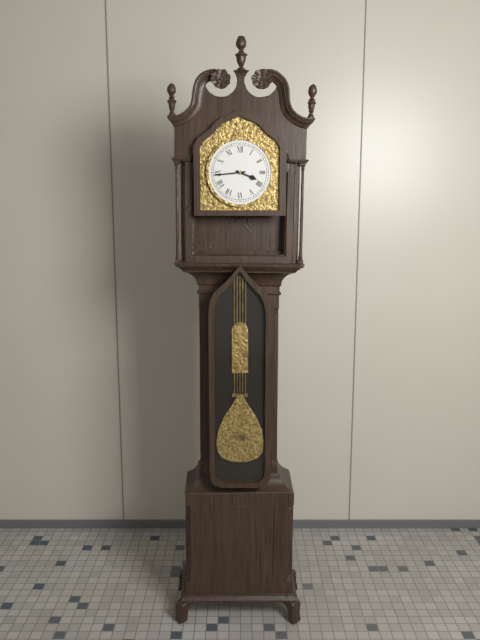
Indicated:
3.44
